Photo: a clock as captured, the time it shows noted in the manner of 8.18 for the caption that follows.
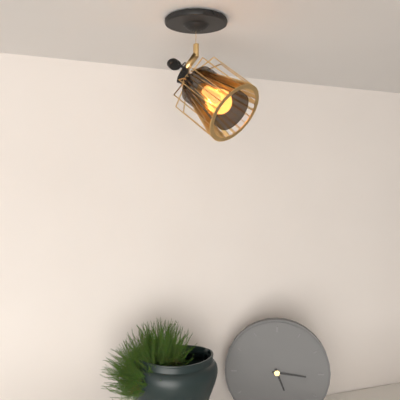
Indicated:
5.16
